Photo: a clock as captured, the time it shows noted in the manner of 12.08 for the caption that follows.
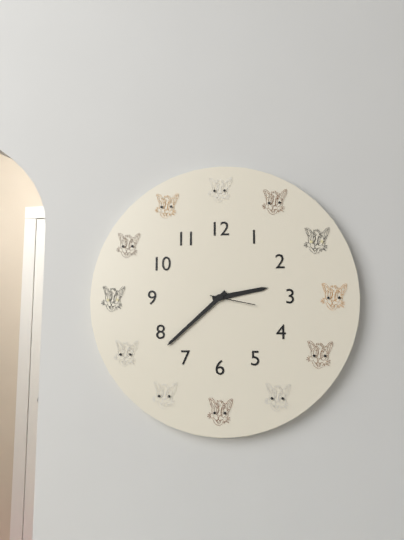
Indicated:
2.38
